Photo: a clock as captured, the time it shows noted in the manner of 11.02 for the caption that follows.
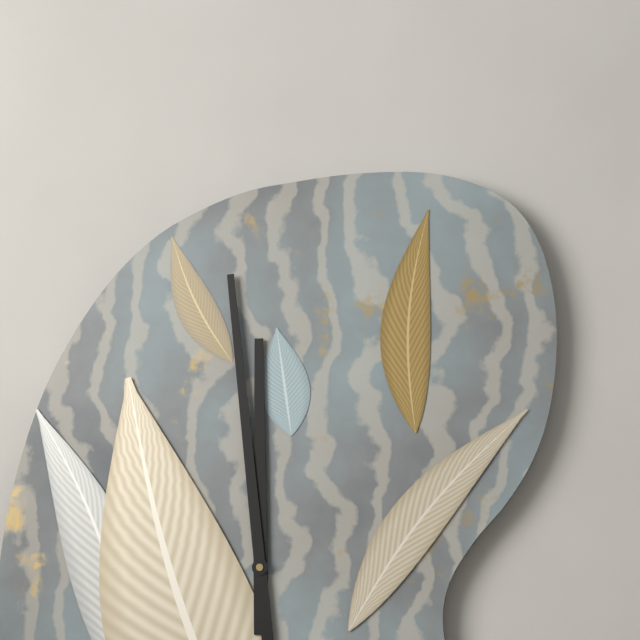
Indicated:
11.59
